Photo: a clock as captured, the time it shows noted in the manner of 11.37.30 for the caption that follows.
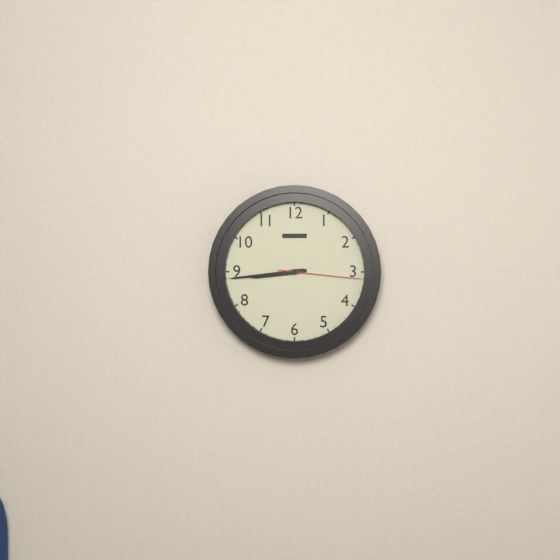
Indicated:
8.44.16
